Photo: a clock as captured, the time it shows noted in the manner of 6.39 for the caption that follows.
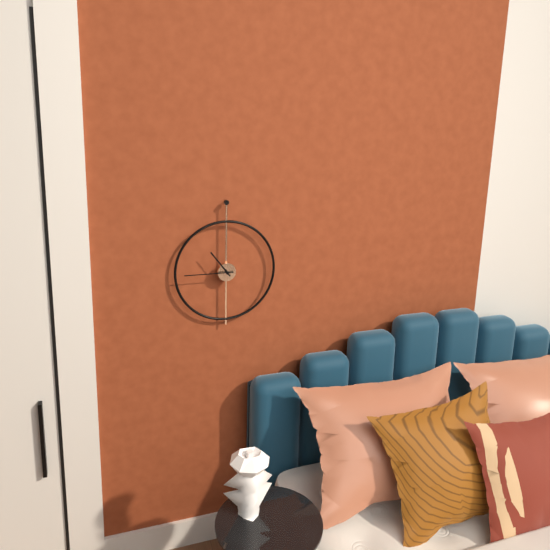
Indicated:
10.45
